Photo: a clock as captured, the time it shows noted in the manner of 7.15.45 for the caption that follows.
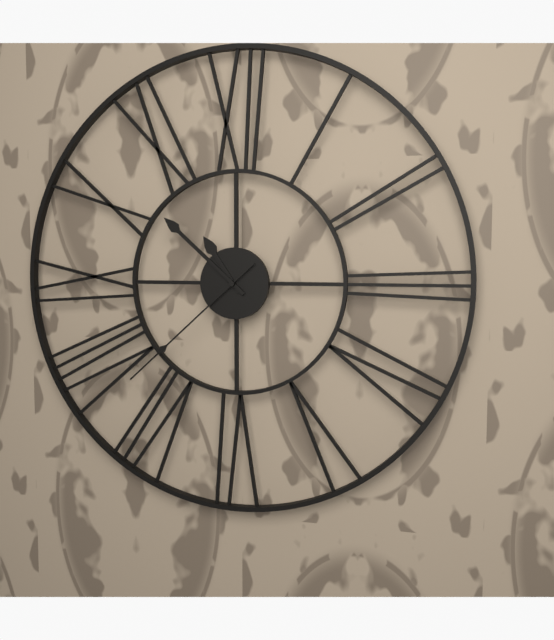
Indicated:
10.52.38
